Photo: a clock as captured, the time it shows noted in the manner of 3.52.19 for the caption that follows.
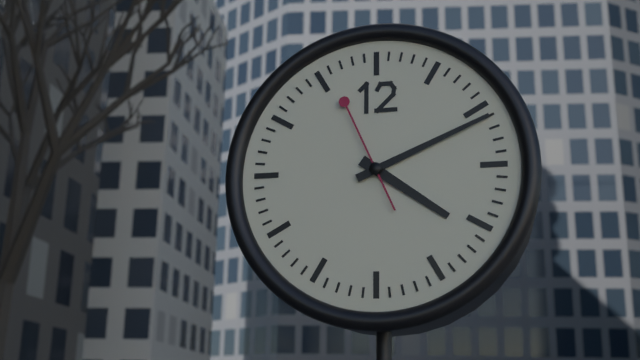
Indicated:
4.11.56
